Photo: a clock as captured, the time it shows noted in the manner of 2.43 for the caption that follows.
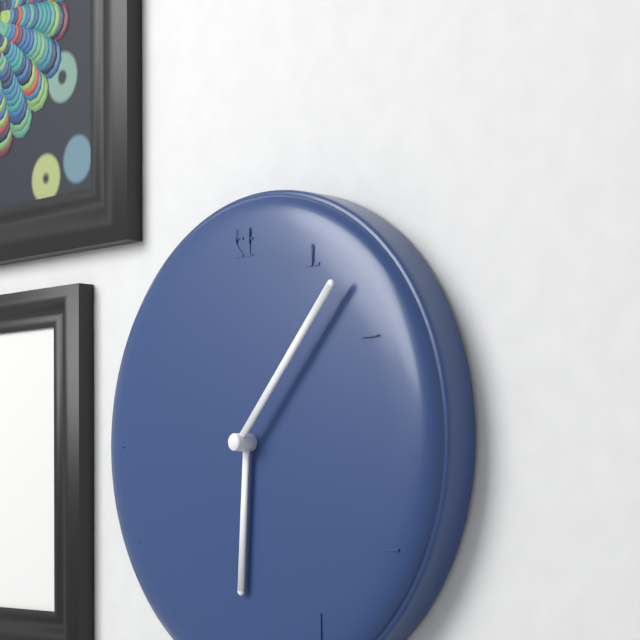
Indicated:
6.07
